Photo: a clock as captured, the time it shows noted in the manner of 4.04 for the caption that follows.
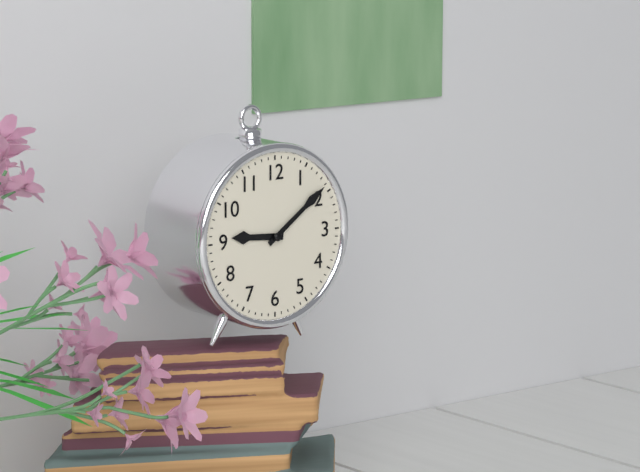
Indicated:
9.09
